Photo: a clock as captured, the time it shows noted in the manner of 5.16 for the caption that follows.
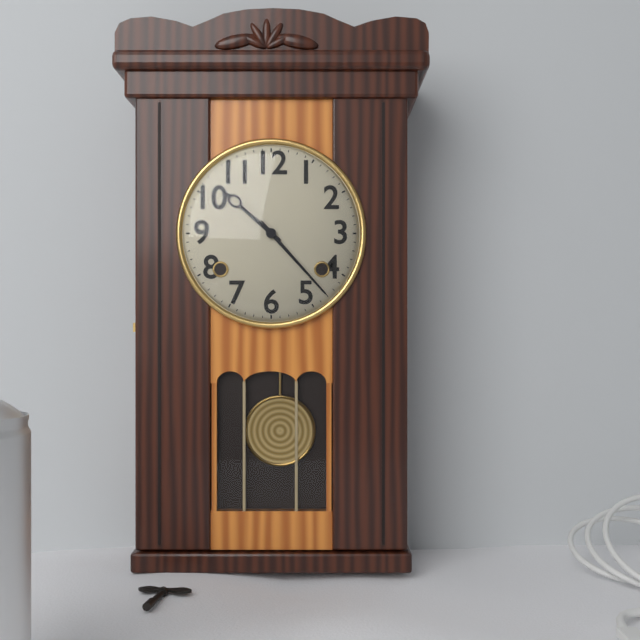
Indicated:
10.23
